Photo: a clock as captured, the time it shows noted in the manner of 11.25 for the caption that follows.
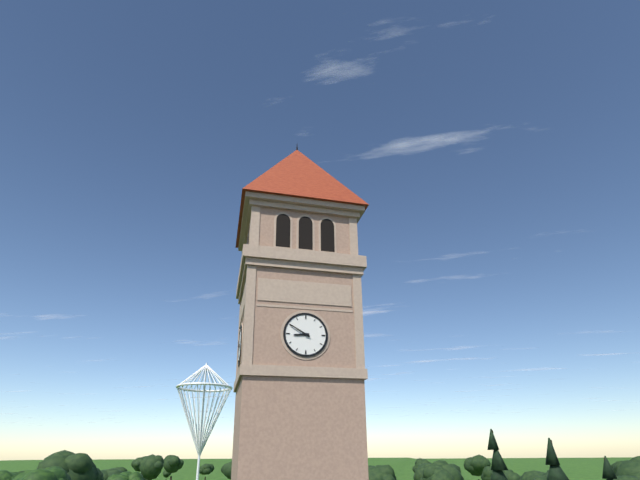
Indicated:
8.50
